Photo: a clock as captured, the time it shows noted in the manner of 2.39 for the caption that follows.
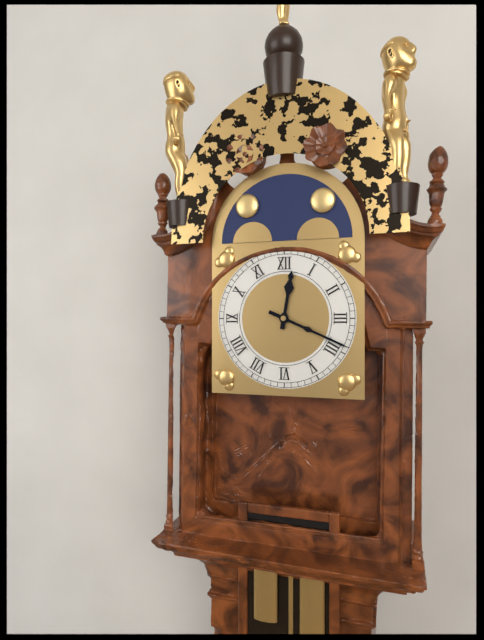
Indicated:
12.19
